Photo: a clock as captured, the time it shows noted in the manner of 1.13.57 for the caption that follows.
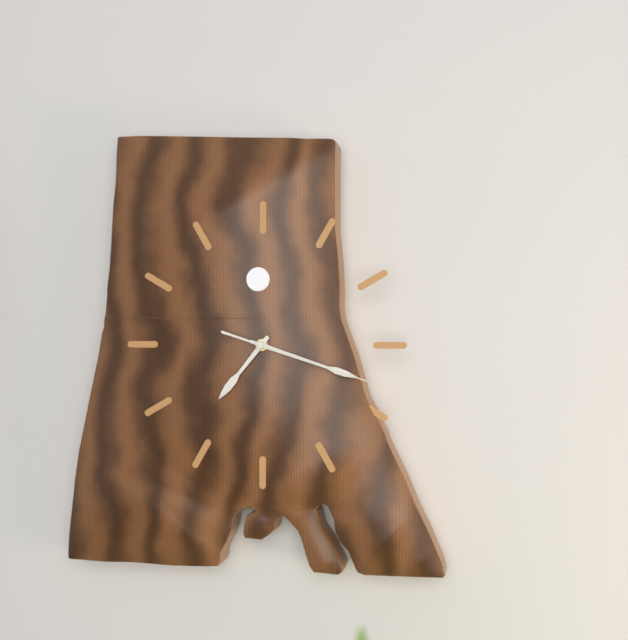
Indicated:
7.18.18
